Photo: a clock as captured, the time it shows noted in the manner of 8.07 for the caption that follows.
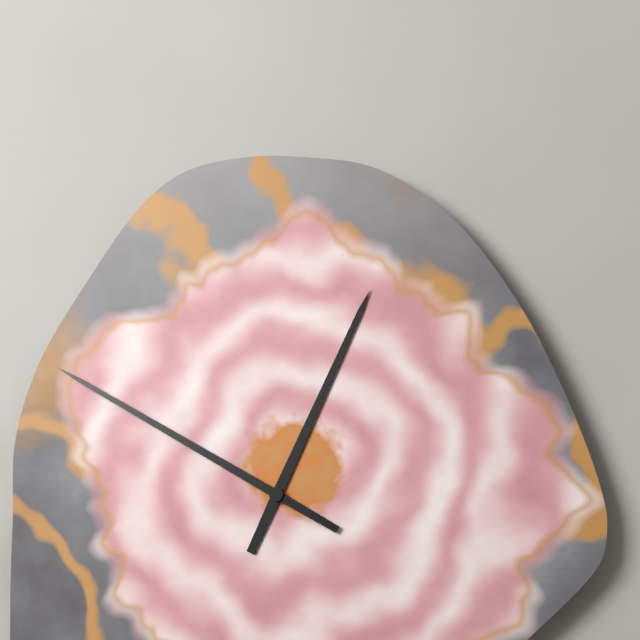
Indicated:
12.50
